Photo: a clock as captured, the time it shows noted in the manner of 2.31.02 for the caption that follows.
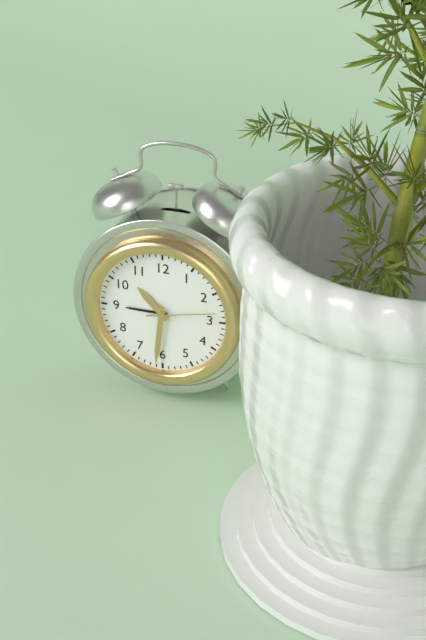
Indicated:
10.31.13
